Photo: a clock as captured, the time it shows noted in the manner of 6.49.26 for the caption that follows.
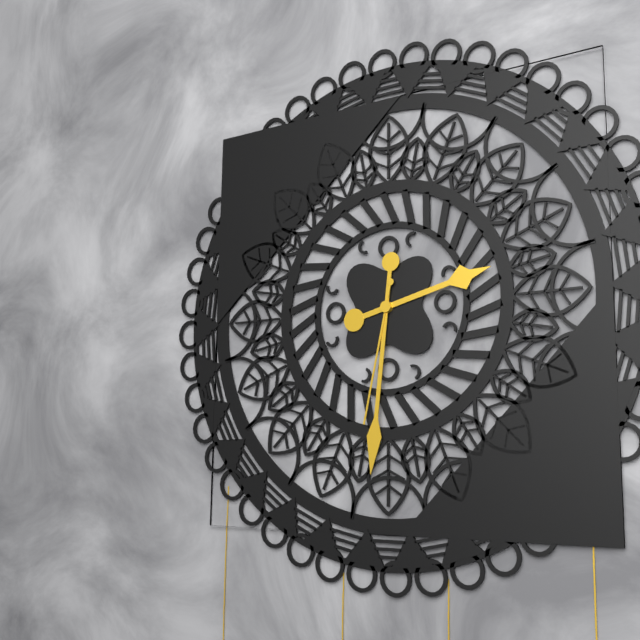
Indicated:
2.31.32
